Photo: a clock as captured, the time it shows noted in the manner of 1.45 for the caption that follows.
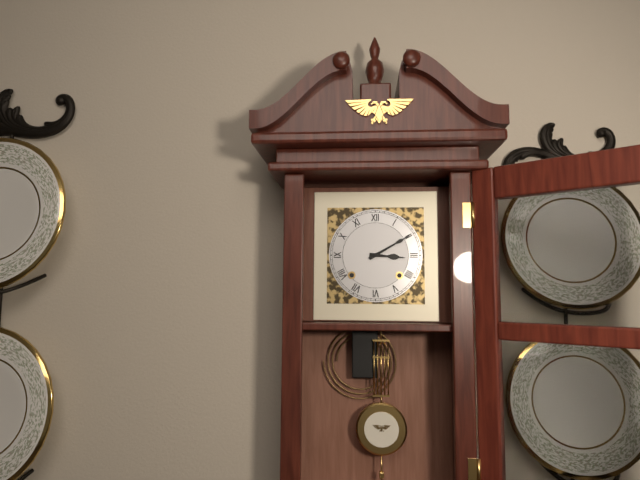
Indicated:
3.10
